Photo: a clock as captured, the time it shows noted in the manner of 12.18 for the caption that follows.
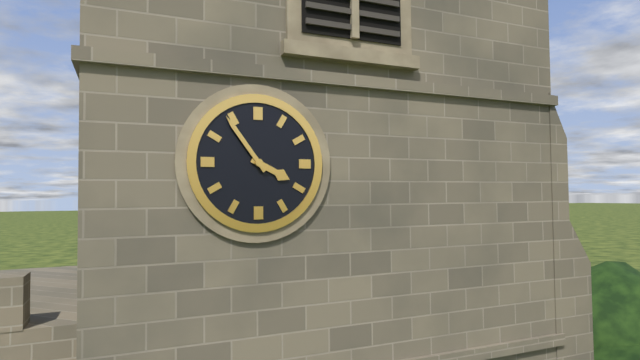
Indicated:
3.54
